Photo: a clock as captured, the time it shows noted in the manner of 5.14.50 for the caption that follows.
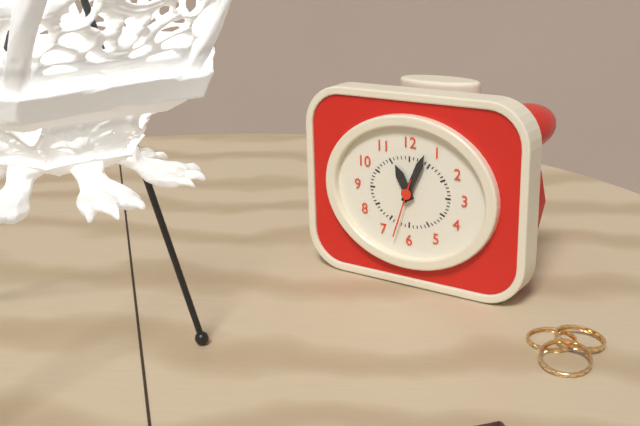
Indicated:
11.04.33
